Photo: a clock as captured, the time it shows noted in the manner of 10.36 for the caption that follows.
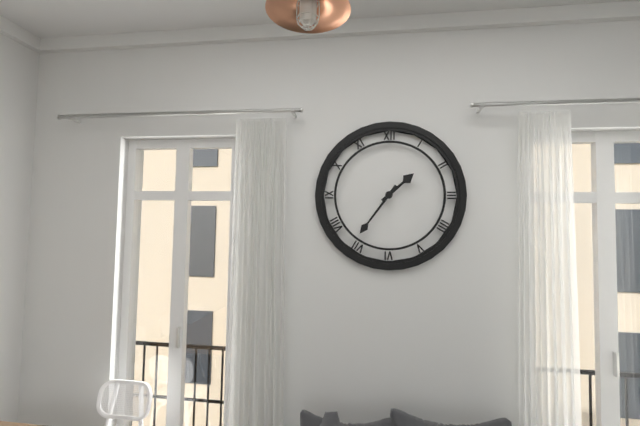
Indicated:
1.36
